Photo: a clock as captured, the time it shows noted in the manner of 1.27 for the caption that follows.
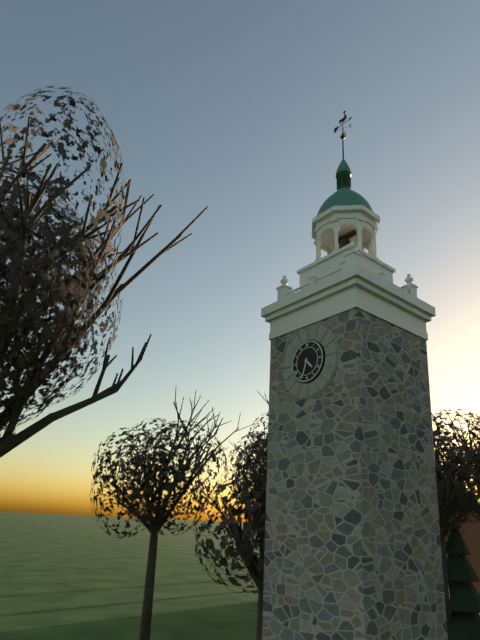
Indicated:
4.33
